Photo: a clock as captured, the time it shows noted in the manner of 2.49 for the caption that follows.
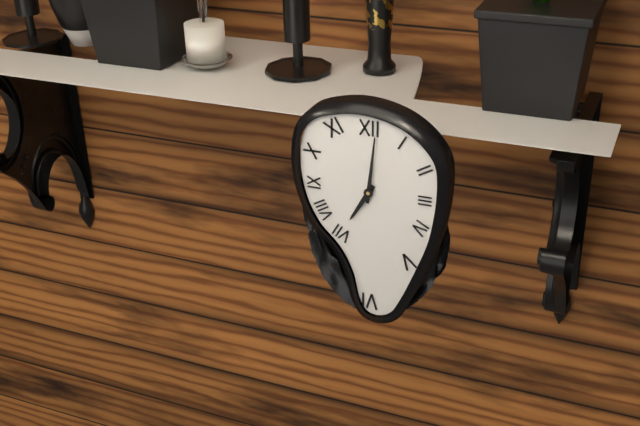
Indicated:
7.01
